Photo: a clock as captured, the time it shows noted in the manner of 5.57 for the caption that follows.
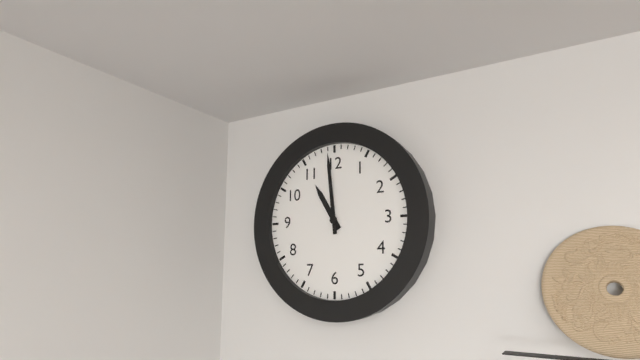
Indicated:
10.59
